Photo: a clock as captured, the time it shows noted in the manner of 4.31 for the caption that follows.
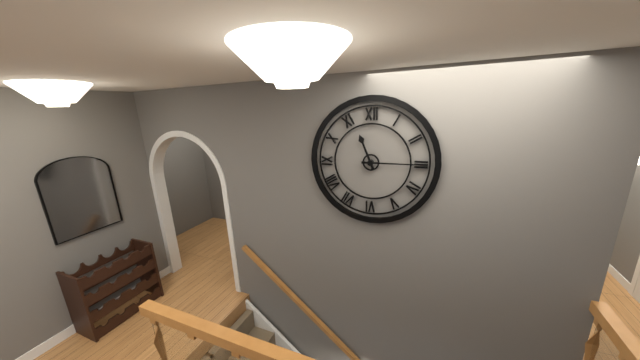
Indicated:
11.15
